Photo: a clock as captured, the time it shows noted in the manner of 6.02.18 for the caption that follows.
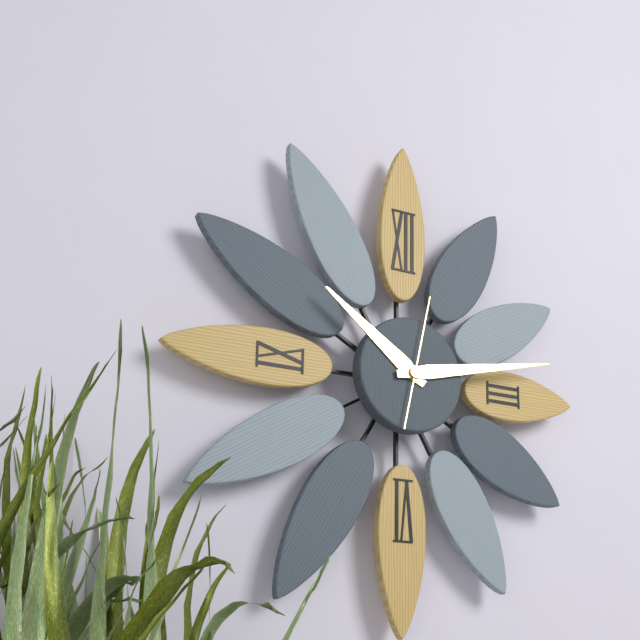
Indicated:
10.13.02
